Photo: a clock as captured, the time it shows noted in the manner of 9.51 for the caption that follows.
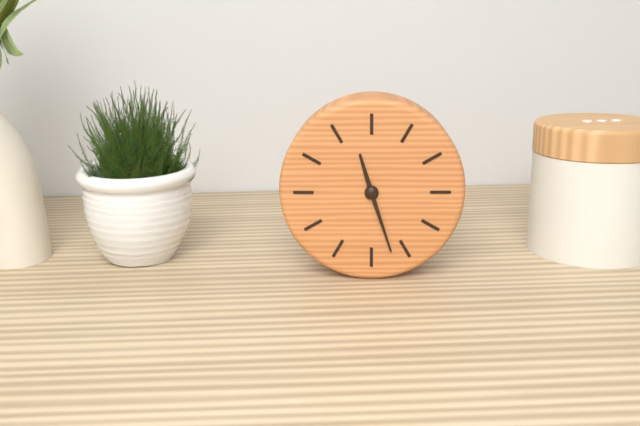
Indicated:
11.27
